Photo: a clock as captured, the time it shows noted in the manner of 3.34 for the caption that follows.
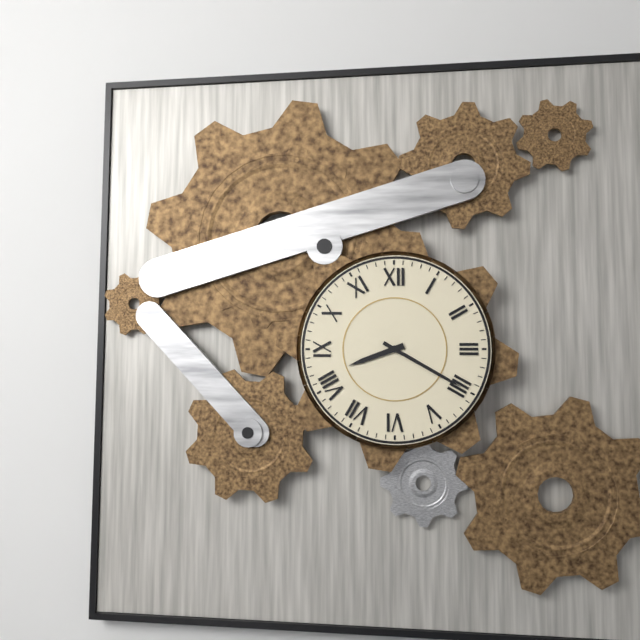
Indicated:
8.20
